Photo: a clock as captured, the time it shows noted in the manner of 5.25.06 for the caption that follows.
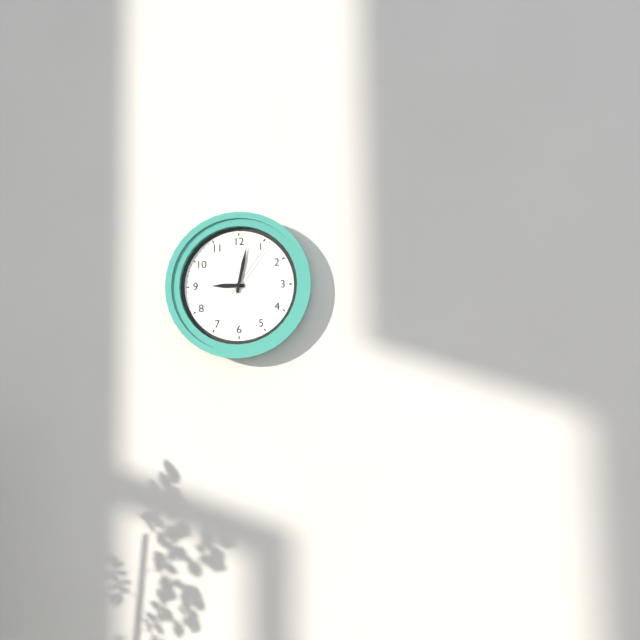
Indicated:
9.02.06
